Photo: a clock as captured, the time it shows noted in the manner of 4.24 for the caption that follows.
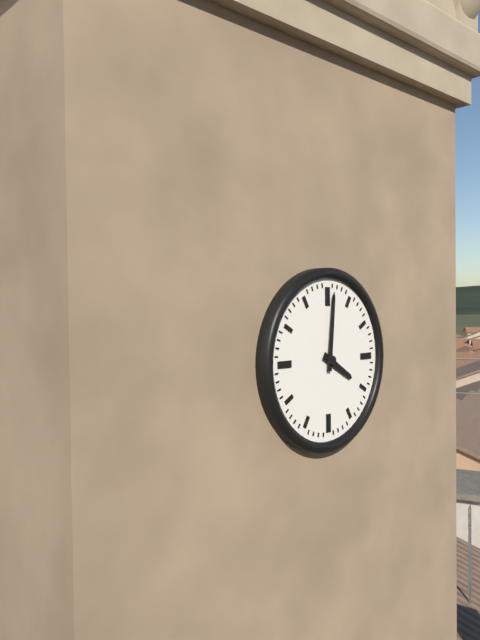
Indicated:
4.01
